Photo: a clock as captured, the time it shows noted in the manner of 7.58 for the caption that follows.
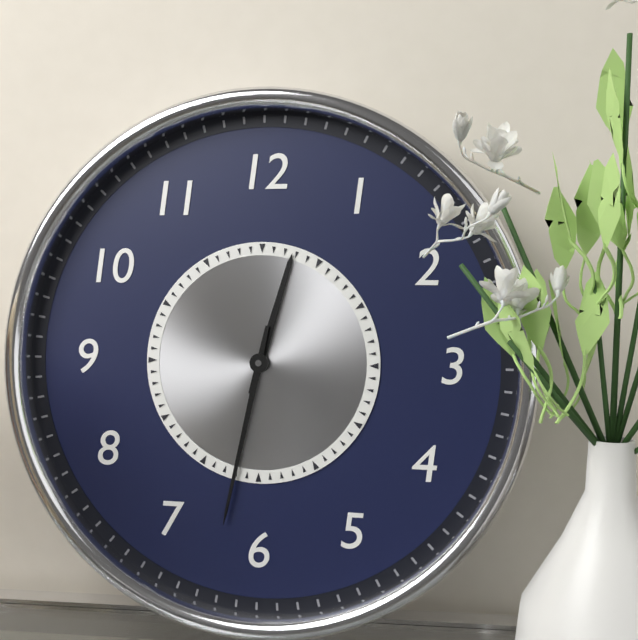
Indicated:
12.32
